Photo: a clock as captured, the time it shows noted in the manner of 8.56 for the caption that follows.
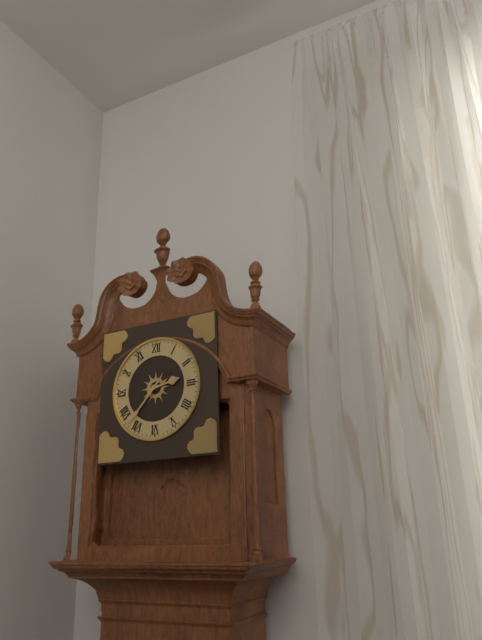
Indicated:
2.37
